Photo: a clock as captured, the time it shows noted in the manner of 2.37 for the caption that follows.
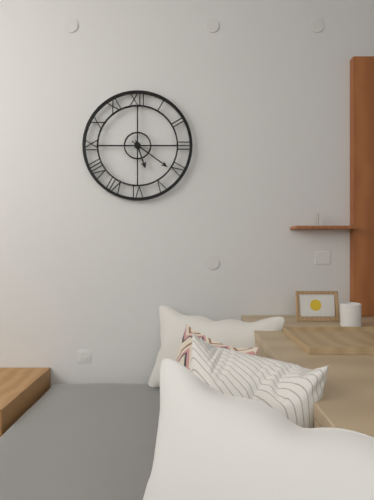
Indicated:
5.21
